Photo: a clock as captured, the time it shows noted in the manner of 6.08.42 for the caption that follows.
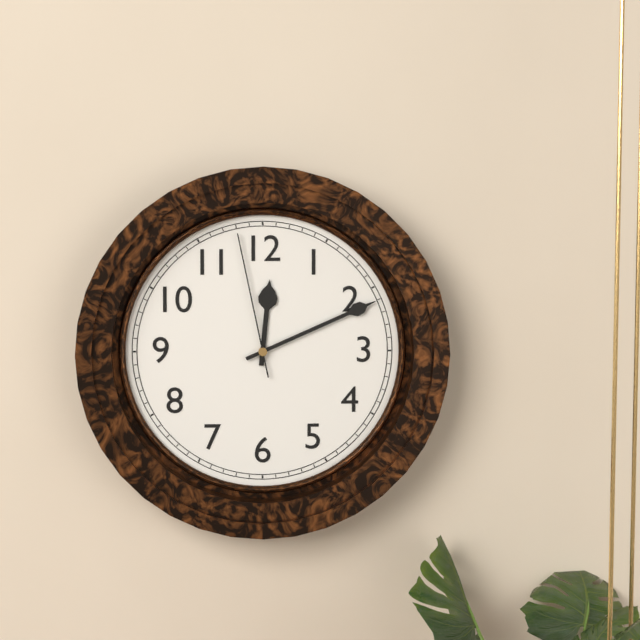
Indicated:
12.11.58
